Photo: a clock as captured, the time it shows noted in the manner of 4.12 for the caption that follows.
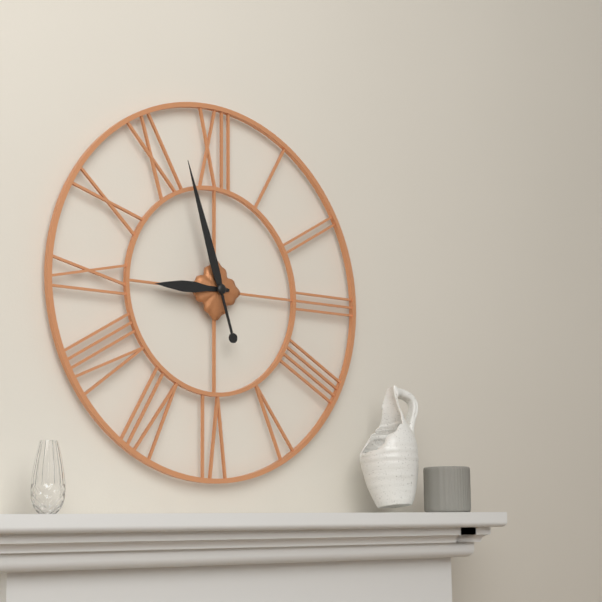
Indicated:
8.57
